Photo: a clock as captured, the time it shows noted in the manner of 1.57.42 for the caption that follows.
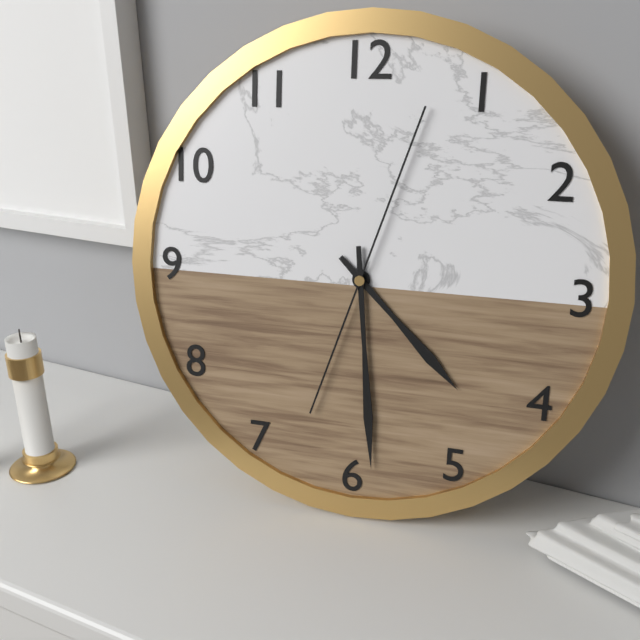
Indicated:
4.29.03
